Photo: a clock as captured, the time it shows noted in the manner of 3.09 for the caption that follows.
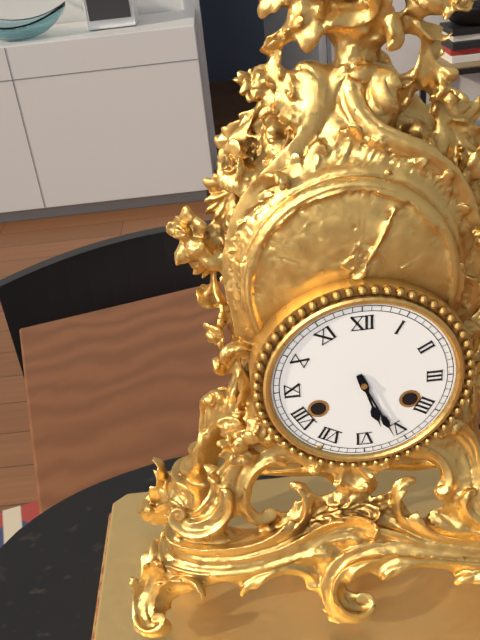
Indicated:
5.26
